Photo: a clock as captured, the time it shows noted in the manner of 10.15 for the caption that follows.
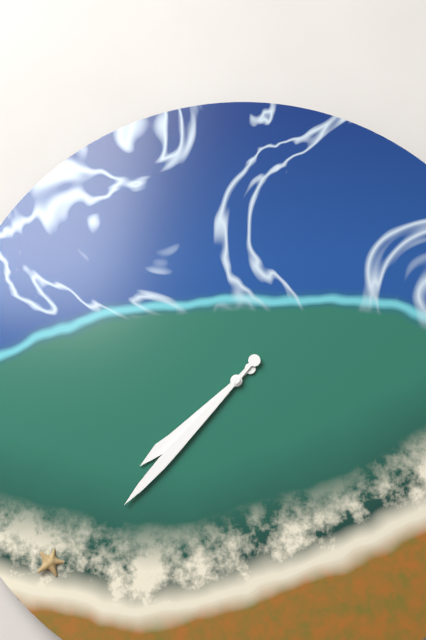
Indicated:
7.37
